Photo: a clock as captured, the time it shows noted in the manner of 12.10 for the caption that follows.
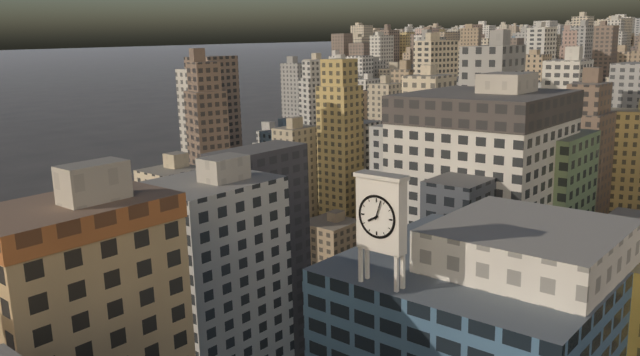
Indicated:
8.03
